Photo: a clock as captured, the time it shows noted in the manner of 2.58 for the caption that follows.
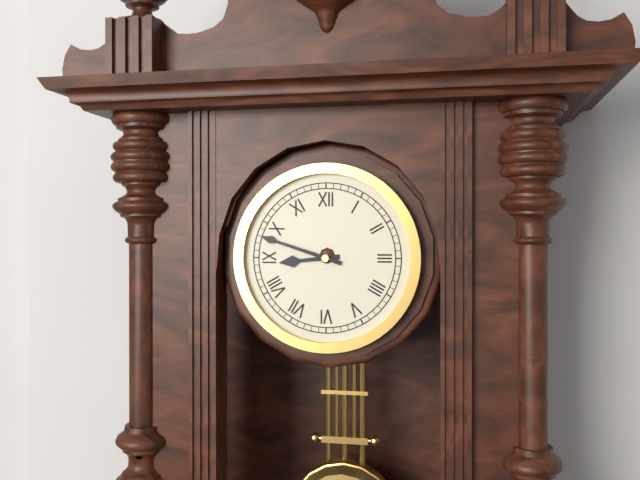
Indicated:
8.48
